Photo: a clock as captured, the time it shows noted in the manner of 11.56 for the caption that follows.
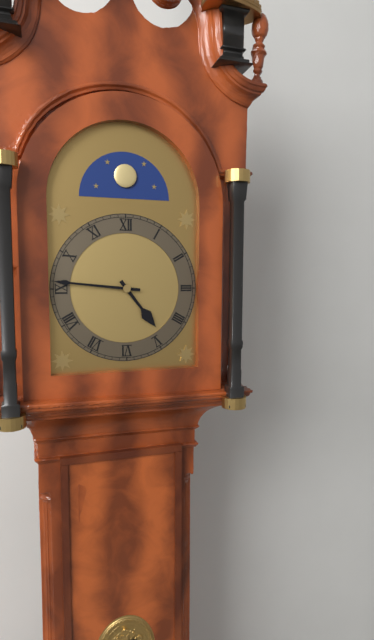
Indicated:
4.46
